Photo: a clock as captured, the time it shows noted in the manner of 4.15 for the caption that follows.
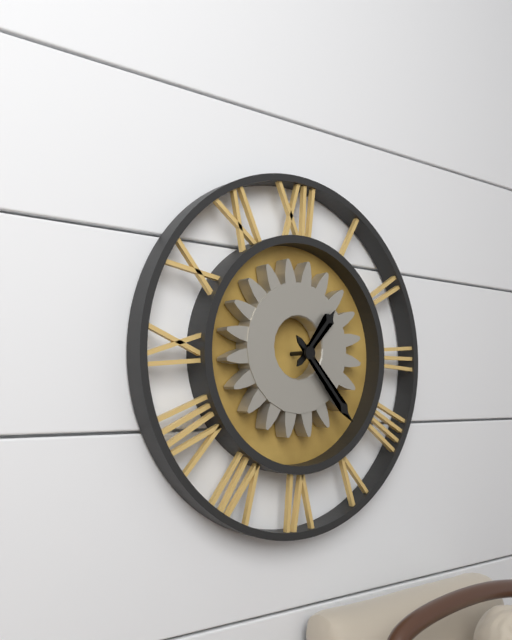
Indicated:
1.23
